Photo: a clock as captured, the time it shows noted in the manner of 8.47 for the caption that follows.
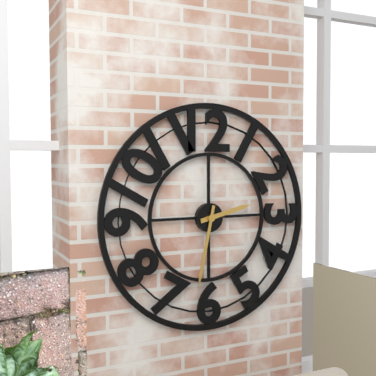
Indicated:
2.32
